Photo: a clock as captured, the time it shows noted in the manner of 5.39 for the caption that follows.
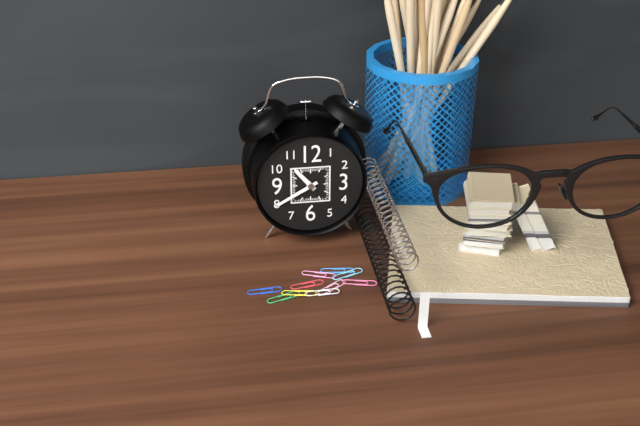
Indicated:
10.40
